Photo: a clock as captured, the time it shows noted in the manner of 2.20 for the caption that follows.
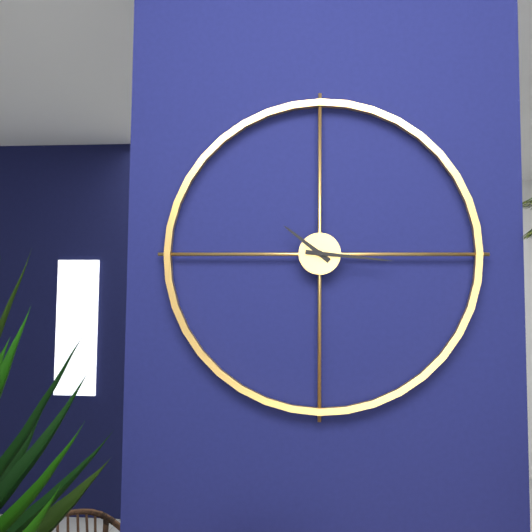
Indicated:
10.16
